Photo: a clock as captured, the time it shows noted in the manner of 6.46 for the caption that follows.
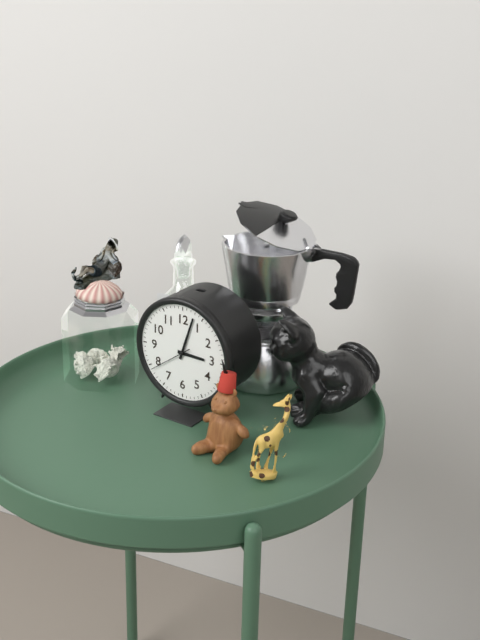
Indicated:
3.03
